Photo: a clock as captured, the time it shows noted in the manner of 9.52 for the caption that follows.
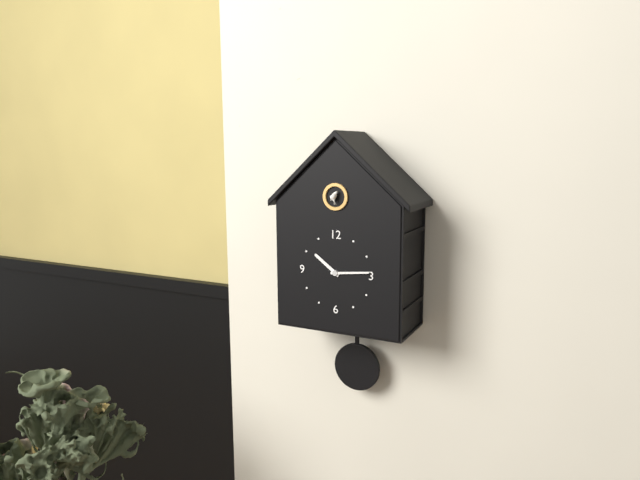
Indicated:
10.14
